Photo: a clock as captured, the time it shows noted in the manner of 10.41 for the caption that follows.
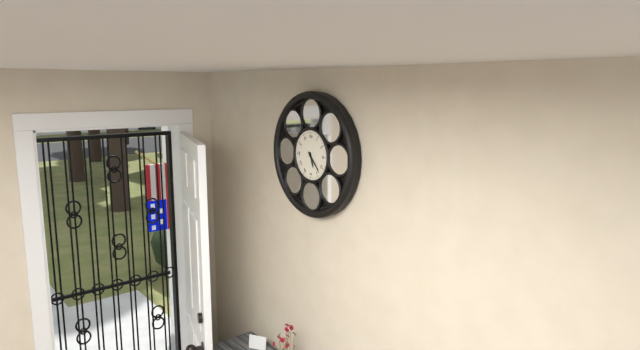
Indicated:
5.23
